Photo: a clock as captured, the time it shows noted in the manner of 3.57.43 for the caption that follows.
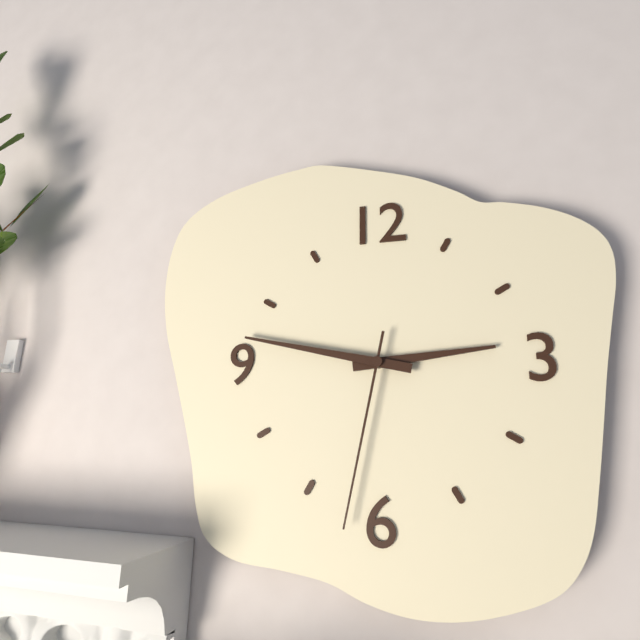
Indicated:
2.47.32
